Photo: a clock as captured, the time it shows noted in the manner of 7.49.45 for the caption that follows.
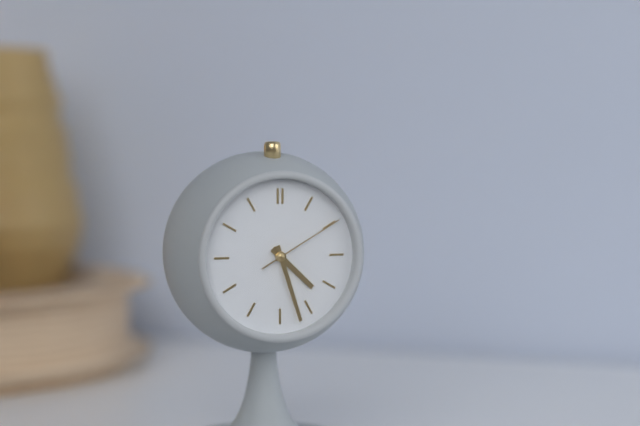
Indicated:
4.27.10
